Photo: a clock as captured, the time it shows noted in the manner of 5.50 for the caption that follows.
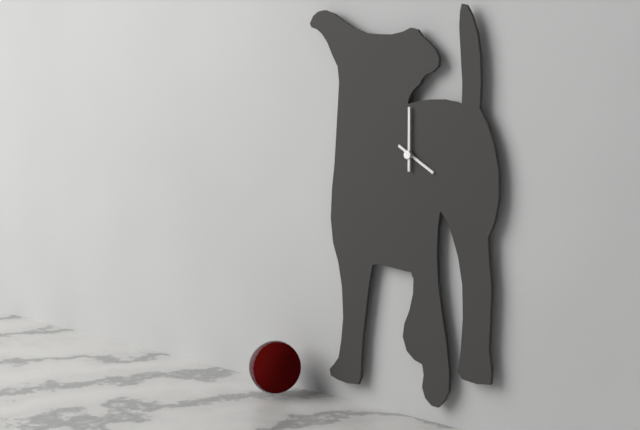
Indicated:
4.00
